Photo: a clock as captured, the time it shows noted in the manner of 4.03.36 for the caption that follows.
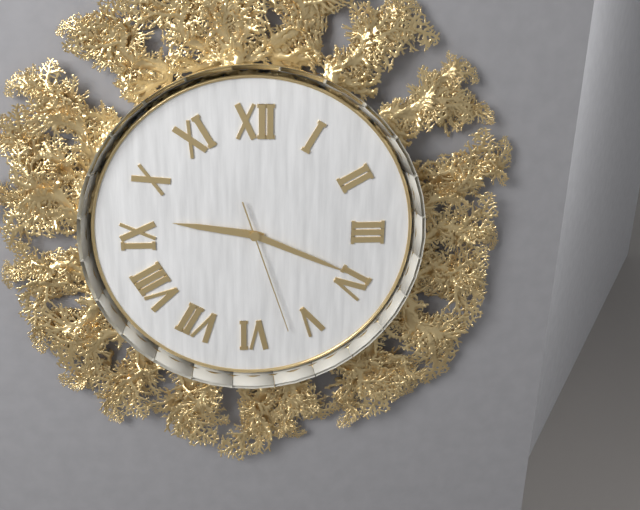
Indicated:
9.19.27
